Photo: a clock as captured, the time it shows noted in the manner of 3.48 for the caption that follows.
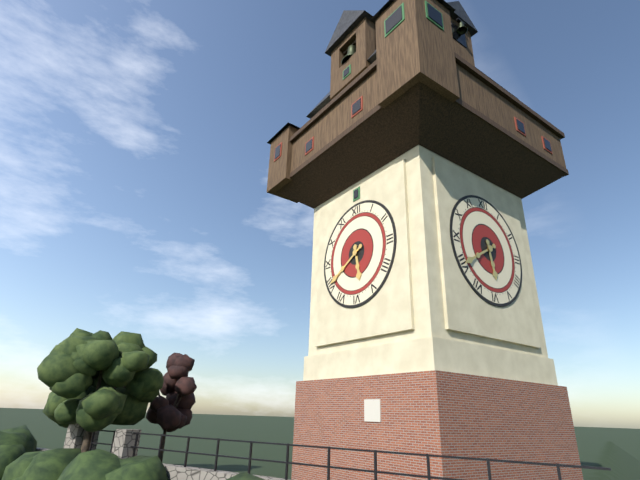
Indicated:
5.40
